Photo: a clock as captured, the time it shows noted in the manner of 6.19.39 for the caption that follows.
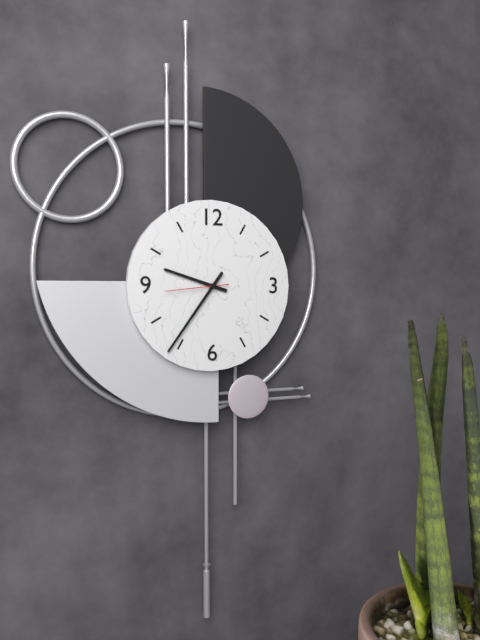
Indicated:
9.36.44
